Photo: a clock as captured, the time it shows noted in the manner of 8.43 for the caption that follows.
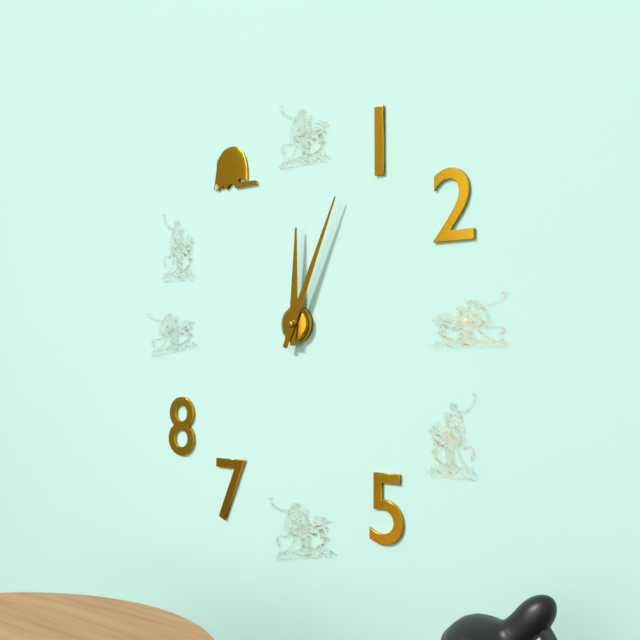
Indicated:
12.04
